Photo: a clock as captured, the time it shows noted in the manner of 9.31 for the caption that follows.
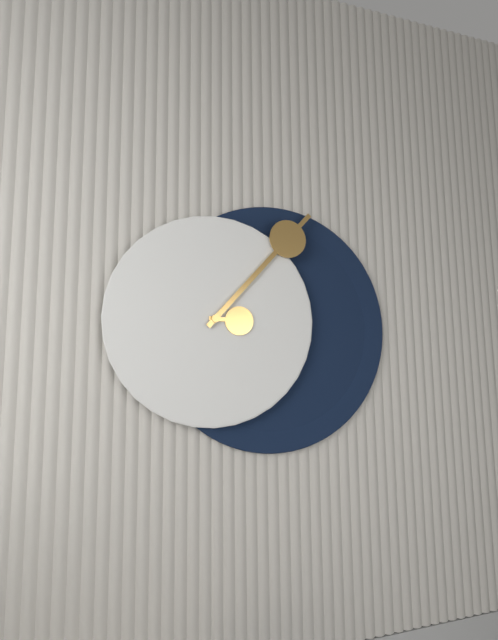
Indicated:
3.07
